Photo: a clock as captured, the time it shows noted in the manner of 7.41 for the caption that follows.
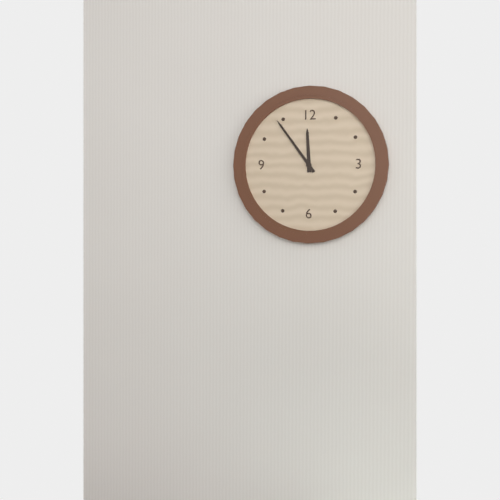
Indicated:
11.54
